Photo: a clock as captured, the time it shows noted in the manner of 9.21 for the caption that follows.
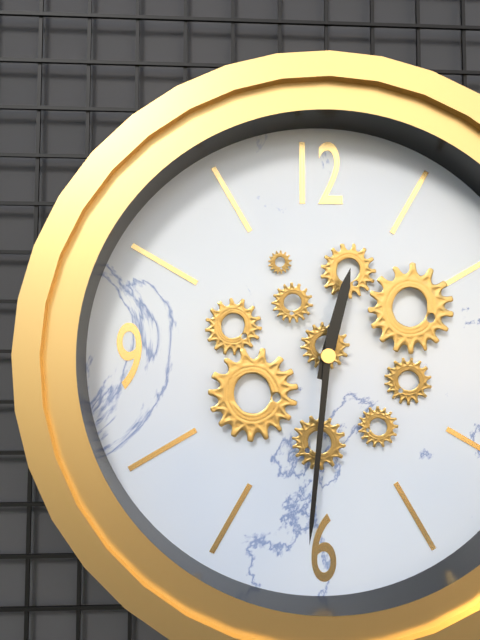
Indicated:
12.31
